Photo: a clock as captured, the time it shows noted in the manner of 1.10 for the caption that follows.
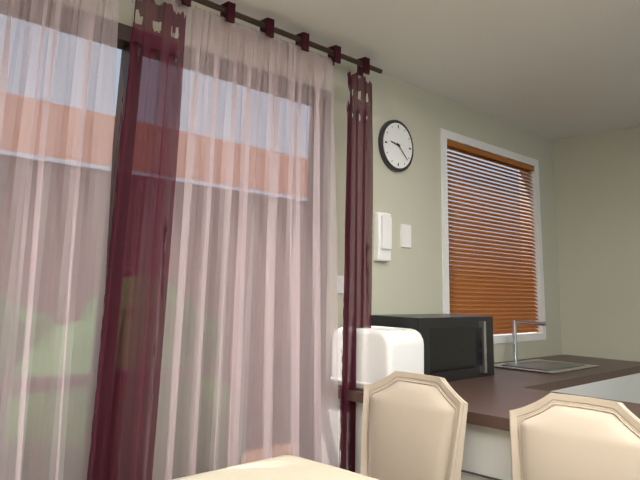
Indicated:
9.22
